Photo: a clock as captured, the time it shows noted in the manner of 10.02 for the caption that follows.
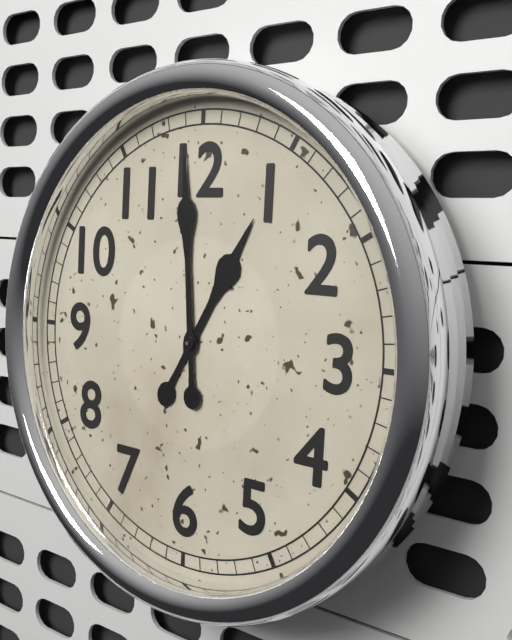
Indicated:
12.59
